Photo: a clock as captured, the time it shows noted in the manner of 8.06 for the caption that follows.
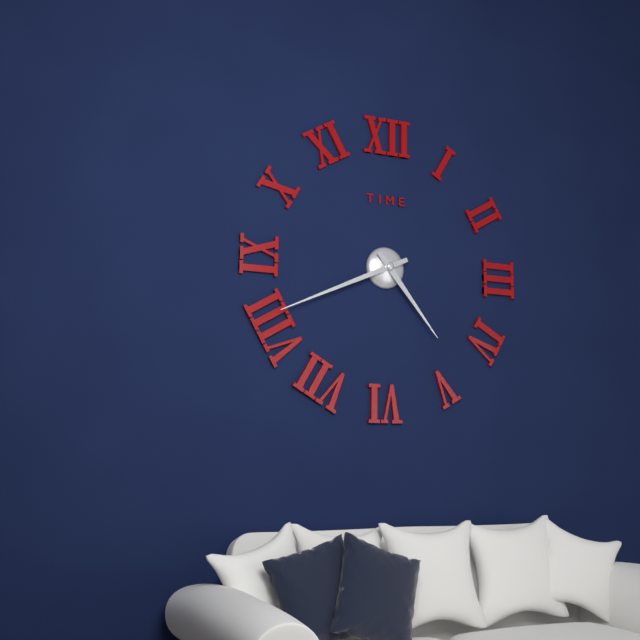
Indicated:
4.41
